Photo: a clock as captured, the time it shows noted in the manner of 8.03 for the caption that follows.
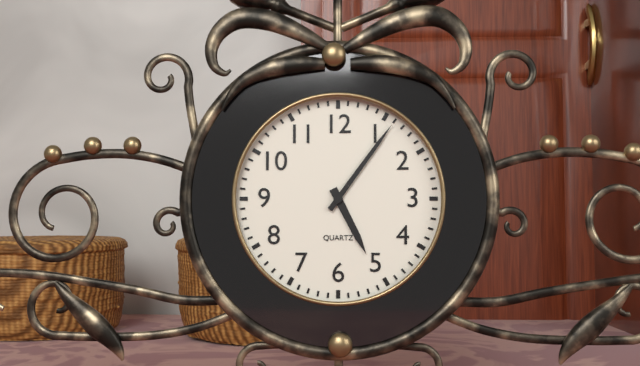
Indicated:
5.06
